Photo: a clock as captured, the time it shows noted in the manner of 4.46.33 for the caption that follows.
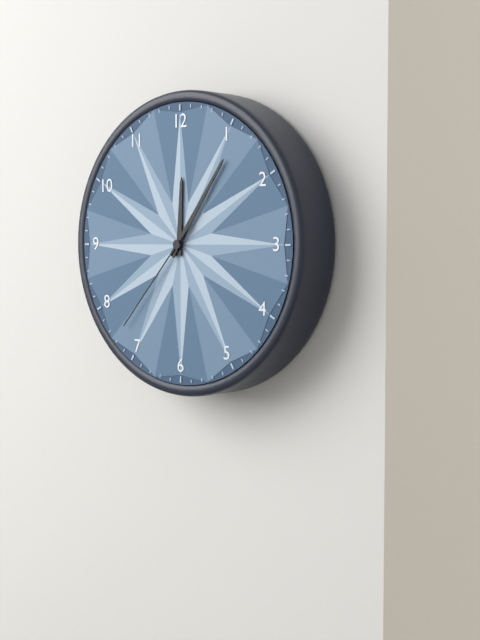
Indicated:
12.06.37
